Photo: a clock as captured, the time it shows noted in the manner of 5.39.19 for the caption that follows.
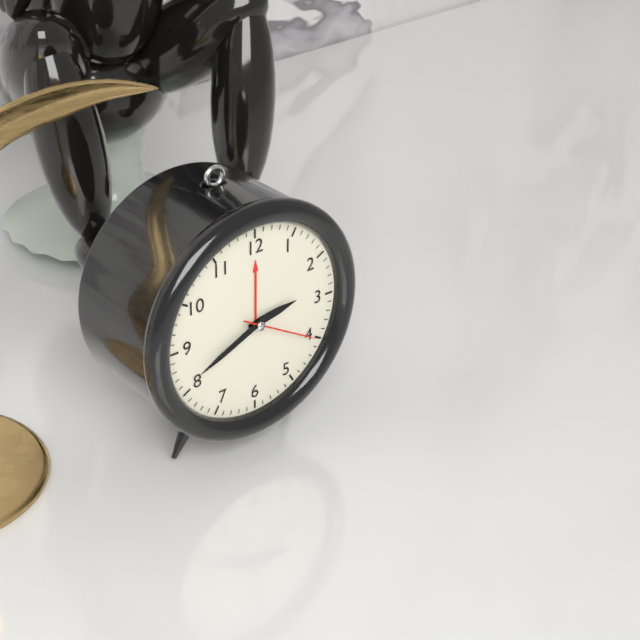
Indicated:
2.41.20
